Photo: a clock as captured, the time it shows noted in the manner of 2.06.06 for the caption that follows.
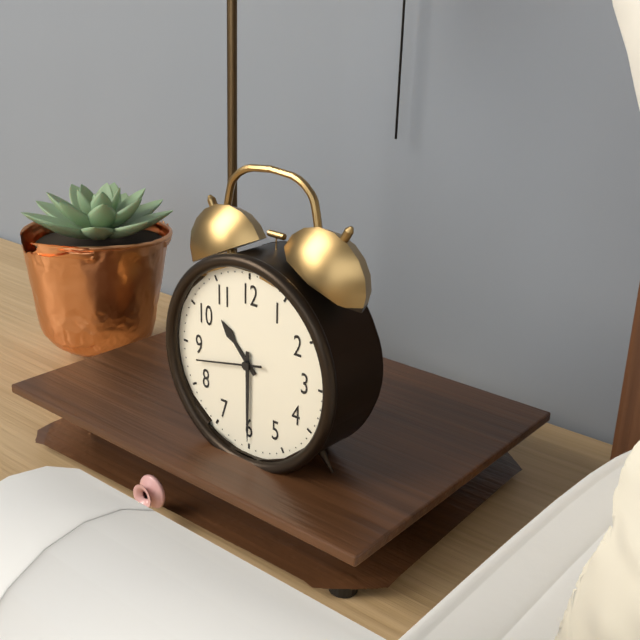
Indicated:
10.30.43
